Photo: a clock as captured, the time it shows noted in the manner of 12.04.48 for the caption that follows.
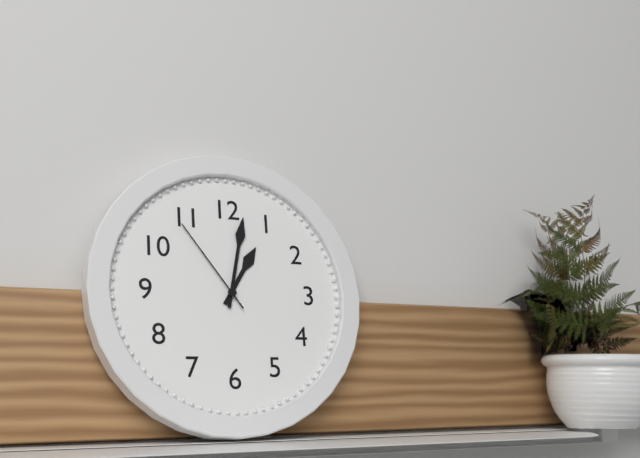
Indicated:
1.02.54
